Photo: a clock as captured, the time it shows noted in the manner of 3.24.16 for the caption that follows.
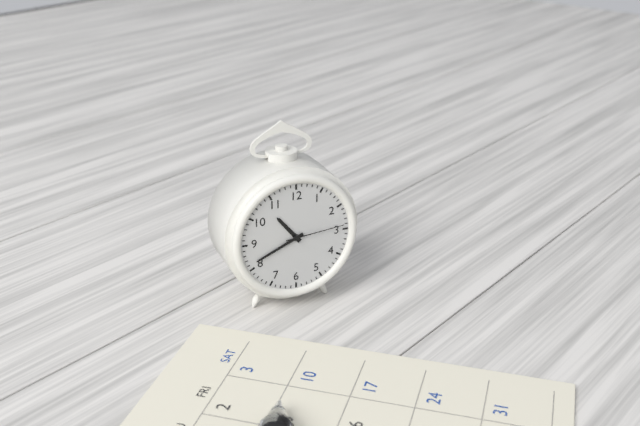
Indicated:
10.41.14
